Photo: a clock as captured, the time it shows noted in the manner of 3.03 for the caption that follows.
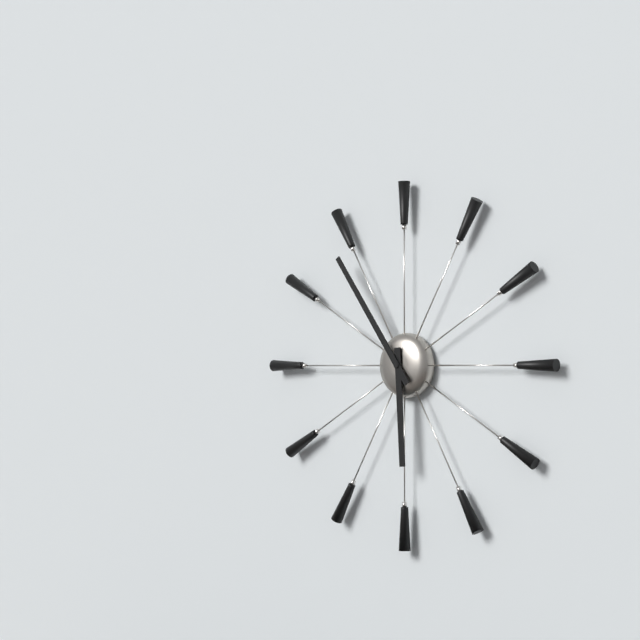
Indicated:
5.54
